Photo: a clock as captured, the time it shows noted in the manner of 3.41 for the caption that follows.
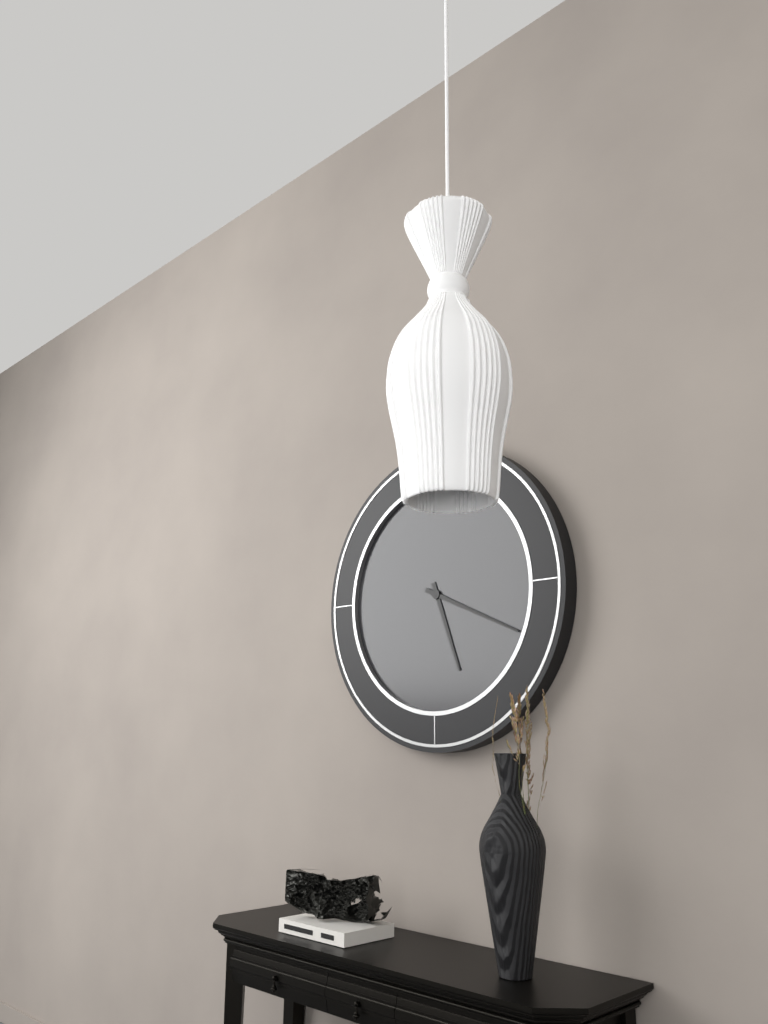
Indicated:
5.19
